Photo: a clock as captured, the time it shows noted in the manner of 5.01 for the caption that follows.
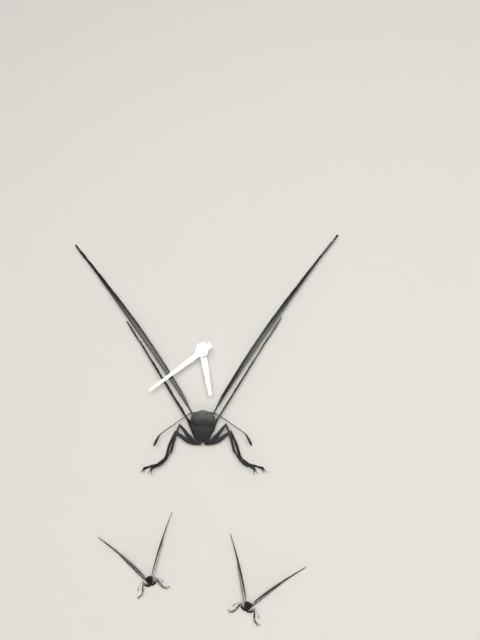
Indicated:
5.39
